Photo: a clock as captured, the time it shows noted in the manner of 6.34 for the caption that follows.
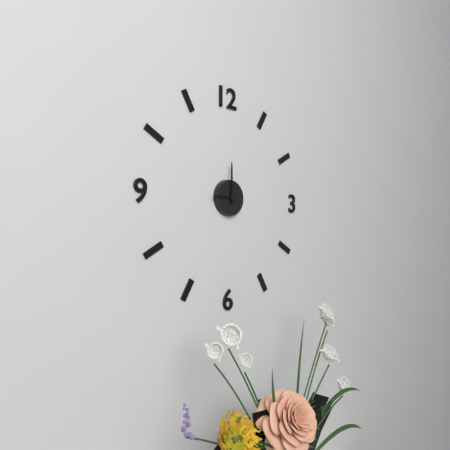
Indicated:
9.00
